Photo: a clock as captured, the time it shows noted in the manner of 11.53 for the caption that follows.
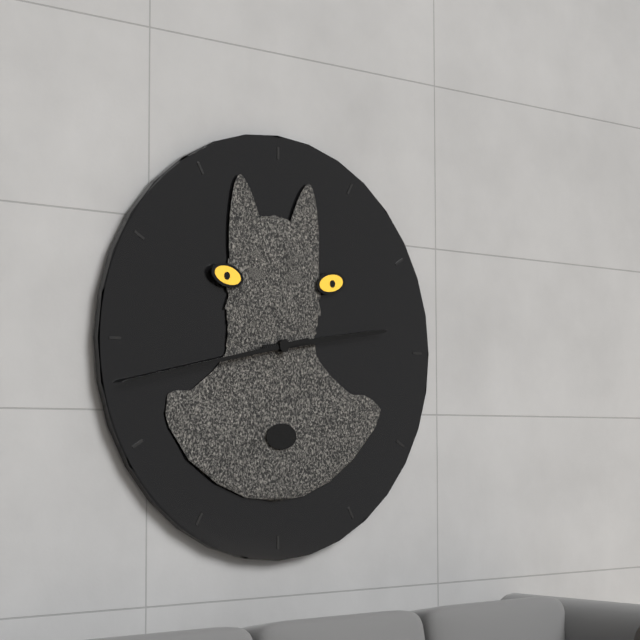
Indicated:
2.43
